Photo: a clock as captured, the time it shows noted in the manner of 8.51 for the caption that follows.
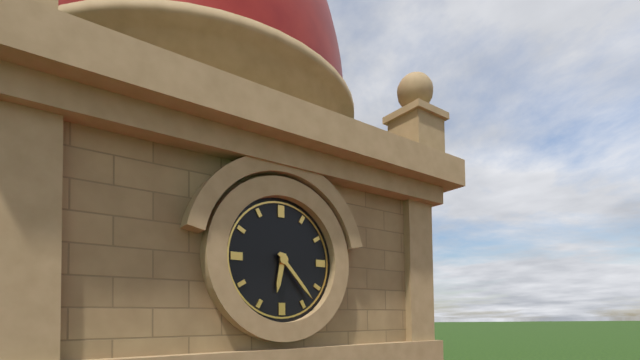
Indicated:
6.23
